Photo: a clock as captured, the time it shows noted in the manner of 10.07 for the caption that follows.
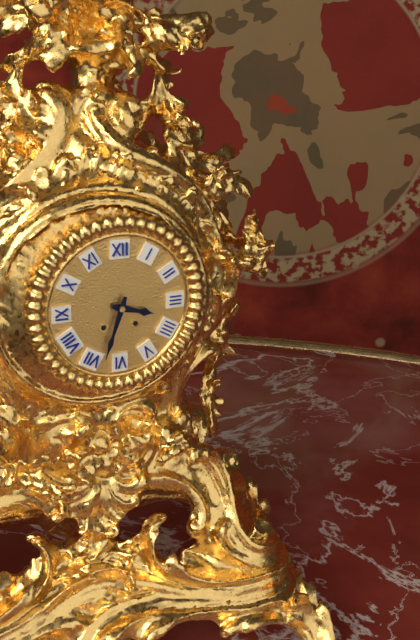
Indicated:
3.33
